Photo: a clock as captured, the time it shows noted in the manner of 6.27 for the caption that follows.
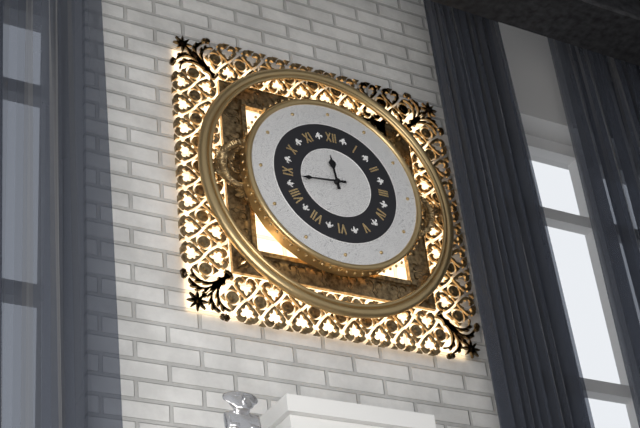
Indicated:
11.44
